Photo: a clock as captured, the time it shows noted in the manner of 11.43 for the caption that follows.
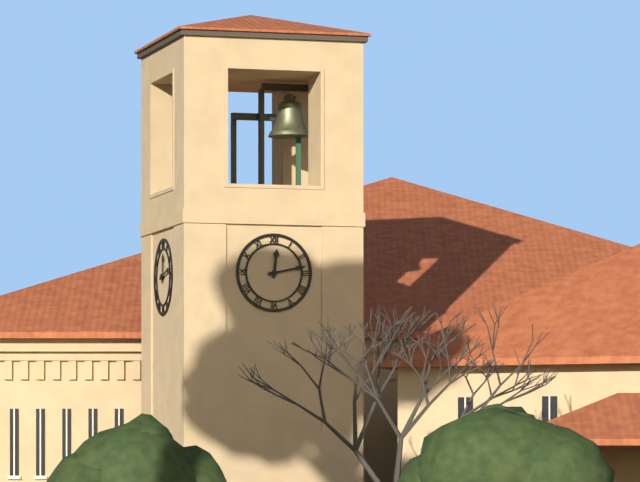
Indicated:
12.13
